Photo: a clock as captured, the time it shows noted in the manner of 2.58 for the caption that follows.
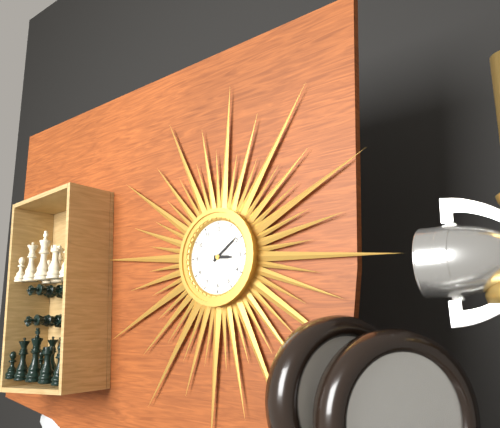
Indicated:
3.09
